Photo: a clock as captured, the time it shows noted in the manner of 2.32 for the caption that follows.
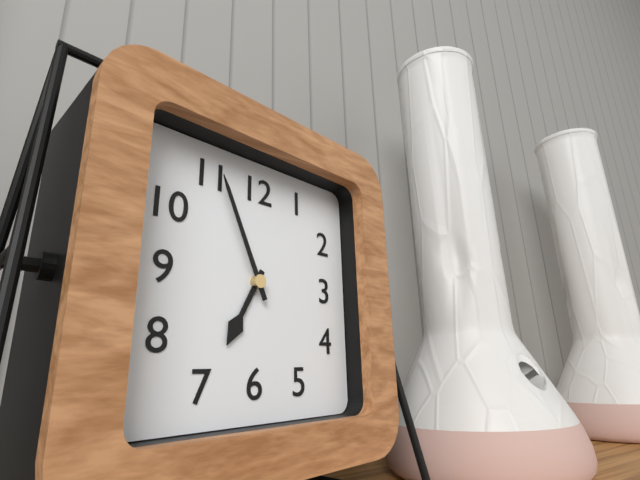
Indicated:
6.56
